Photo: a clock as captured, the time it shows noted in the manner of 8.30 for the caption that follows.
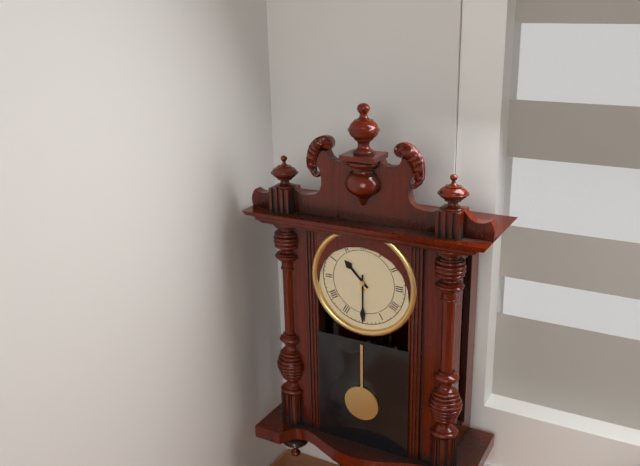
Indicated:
10.30
